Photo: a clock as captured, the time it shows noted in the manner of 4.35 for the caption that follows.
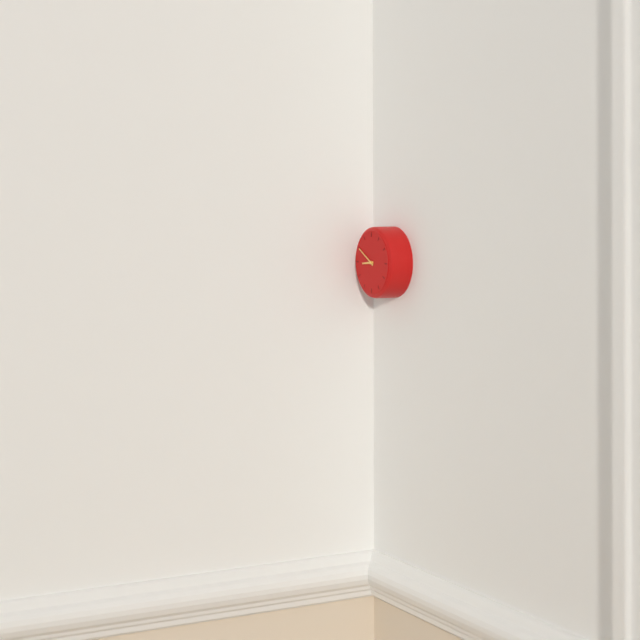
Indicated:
8.50
